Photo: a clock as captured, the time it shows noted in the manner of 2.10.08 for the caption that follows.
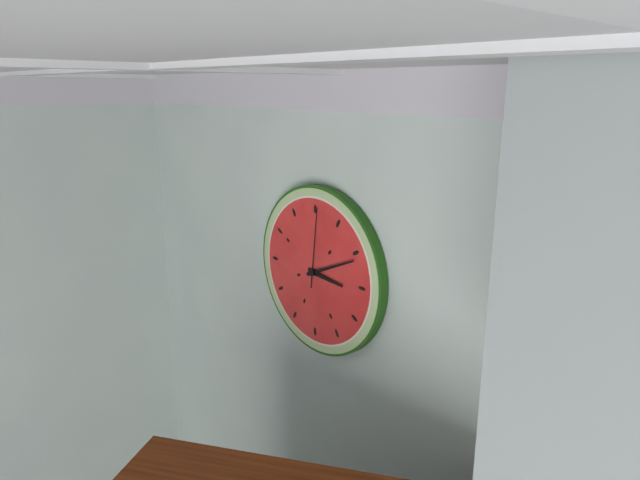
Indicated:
3.11.01
